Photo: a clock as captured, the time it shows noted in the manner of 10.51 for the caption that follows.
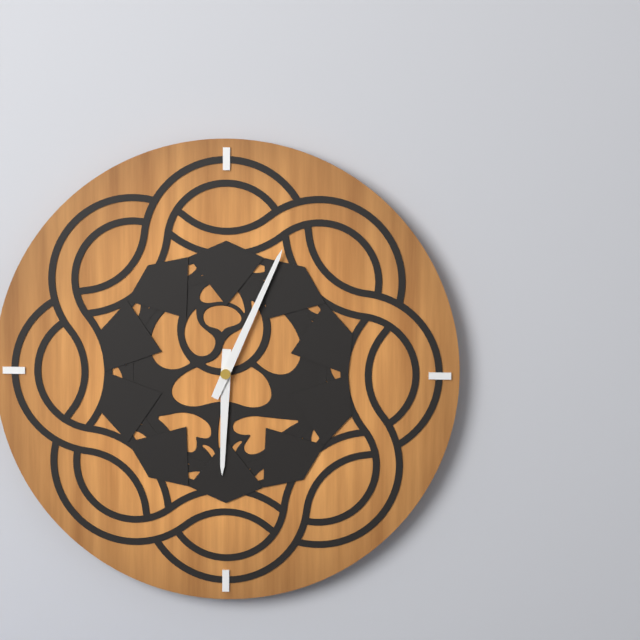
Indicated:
6.04
